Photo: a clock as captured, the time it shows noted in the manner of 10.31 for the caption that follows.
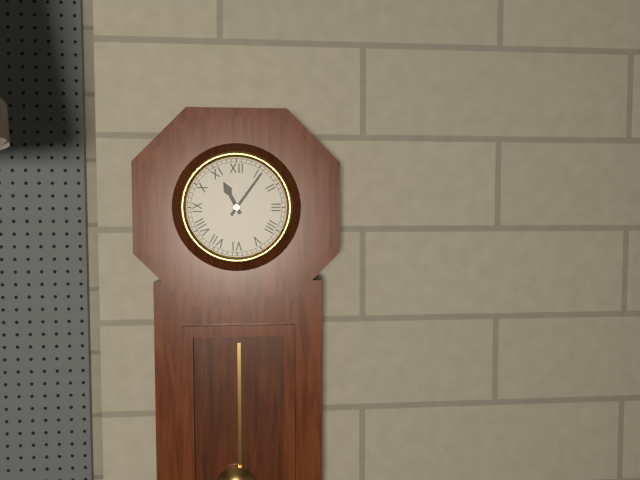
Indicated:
11.06
